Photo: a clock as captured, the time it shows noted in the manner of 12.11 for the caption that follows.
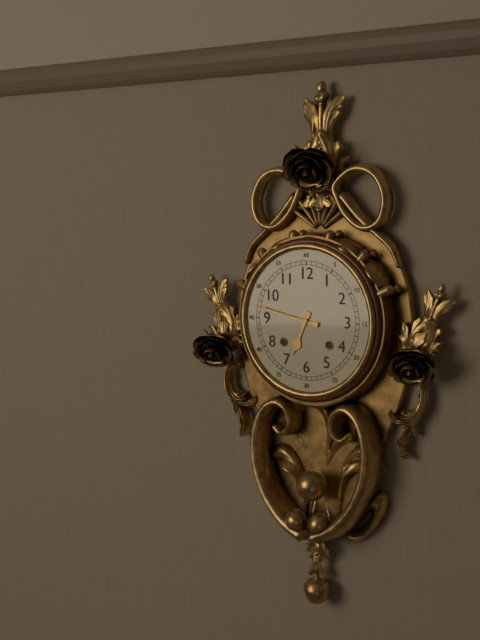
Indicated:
6.47
